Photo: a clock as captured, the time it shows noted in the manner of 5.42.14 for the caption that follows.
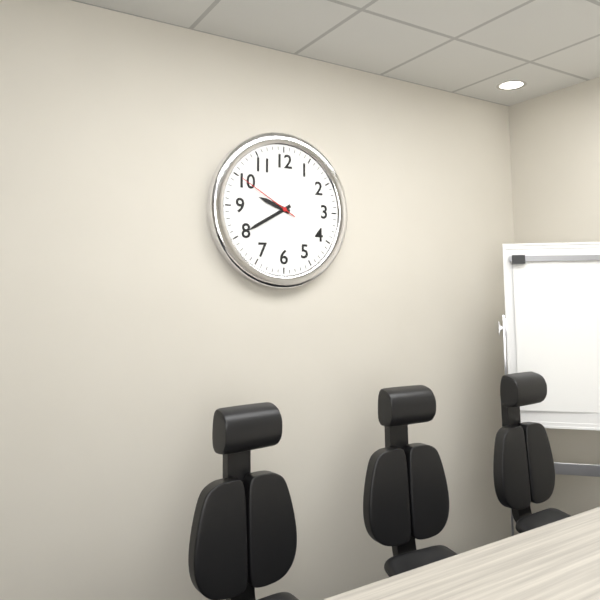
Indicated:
9.40.50
